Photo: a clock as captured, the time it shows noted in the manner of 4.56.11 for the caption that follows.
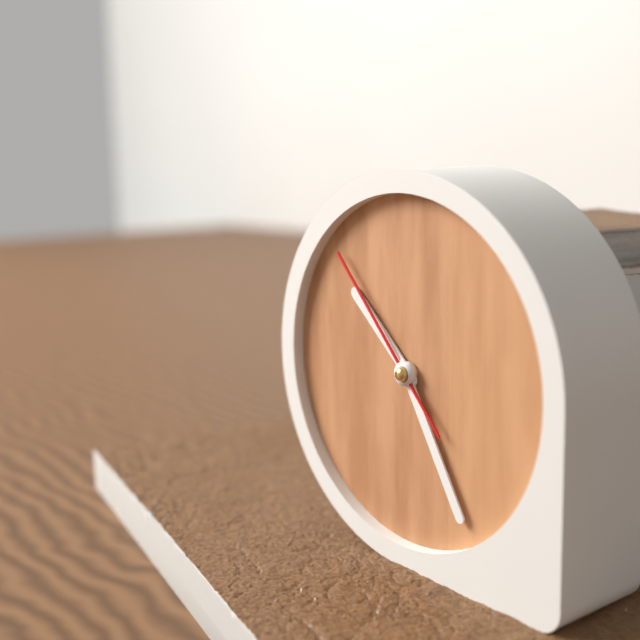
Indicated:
10.25.53
